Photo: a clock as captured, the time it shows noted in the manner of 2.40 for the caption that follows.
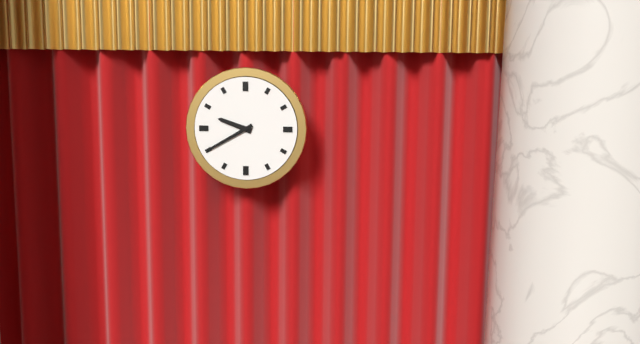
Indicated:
9.40
